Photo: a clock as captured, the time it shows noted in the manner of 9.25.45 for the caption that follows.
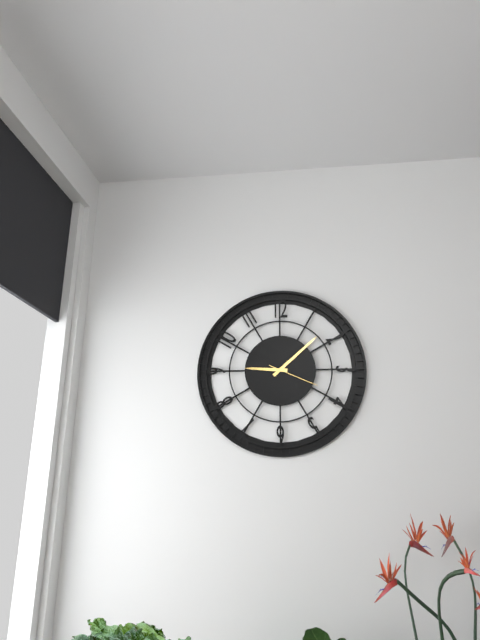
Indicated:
9.08.19
